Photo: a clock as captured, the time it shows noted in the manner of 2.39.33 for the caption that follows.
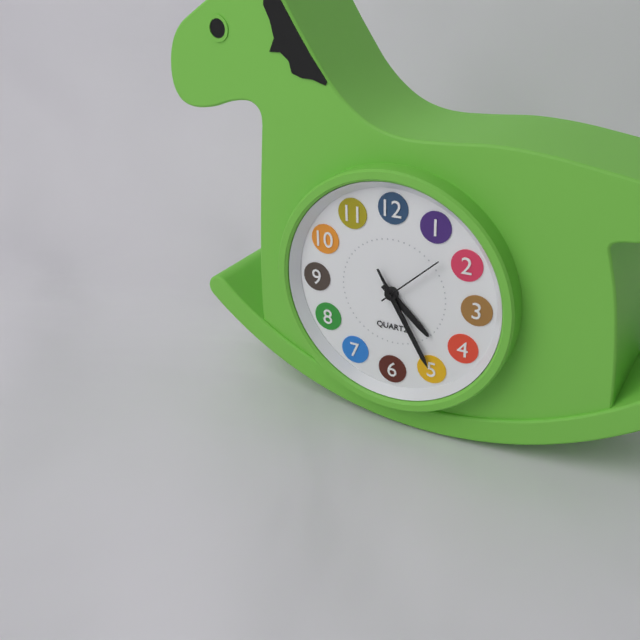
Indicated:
4.25.08
